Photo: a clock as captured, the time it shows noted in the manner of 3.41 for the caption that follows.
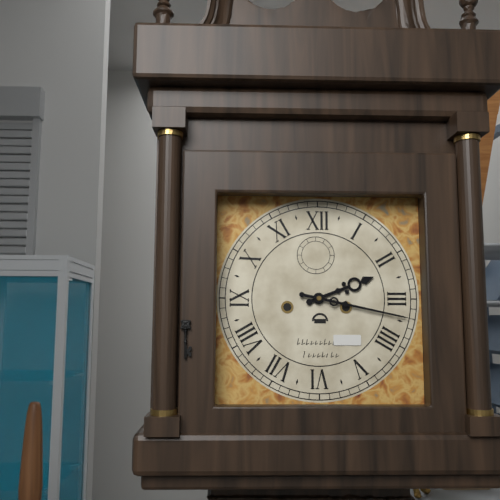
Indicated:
2.17
